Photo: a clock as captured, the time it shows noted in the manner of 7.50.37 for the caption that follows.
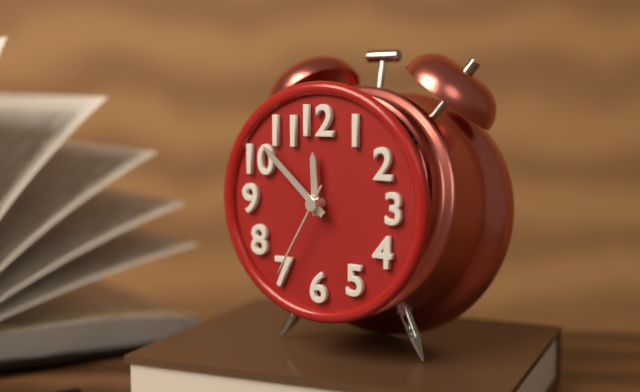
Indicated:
11.52.35
